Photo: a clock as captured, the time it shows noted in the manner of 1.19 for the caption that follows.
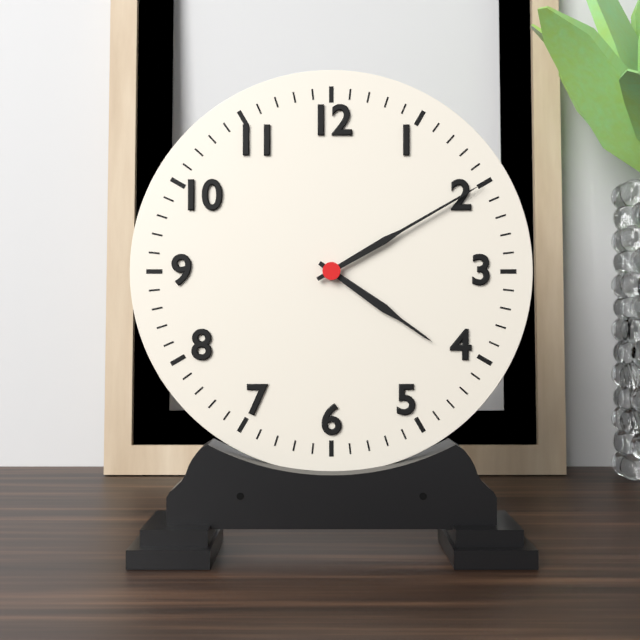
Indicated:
4.10
